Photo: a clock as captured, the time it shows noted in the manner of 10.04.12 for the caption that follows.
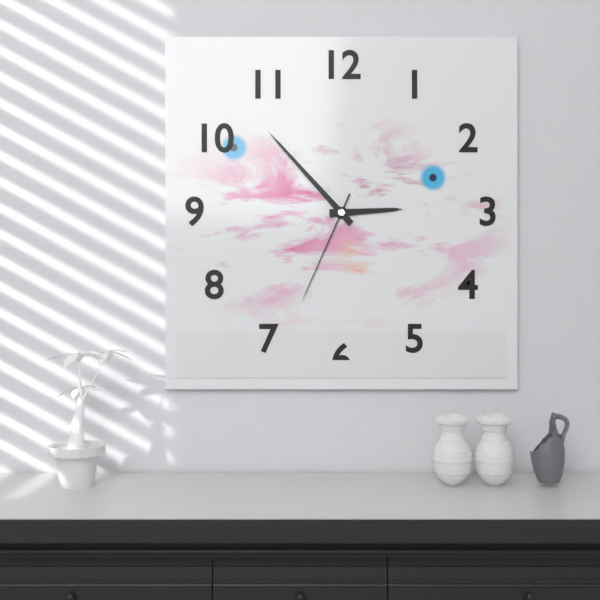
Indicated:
2.53.34
